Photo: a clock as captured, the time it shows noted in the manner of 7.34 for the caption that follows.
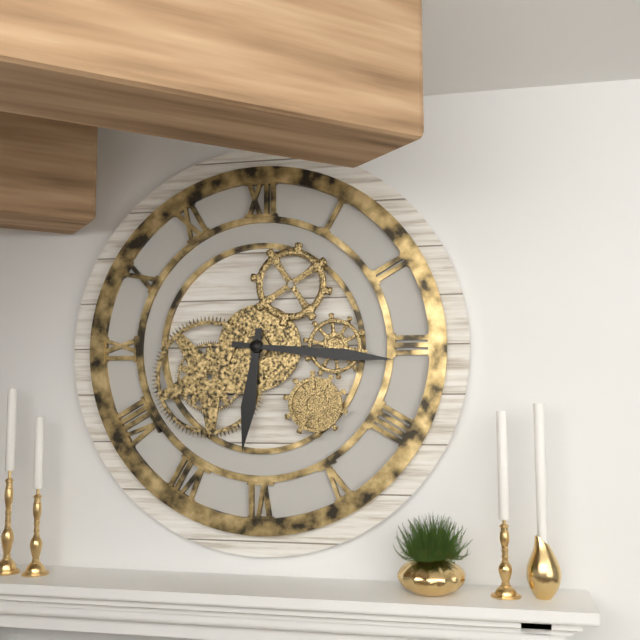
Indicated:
6.16
